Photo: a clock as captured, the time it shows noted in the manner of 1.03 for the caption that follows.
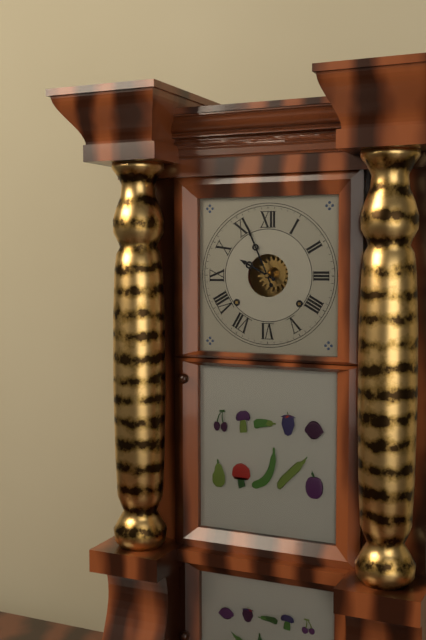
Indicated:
9.56
